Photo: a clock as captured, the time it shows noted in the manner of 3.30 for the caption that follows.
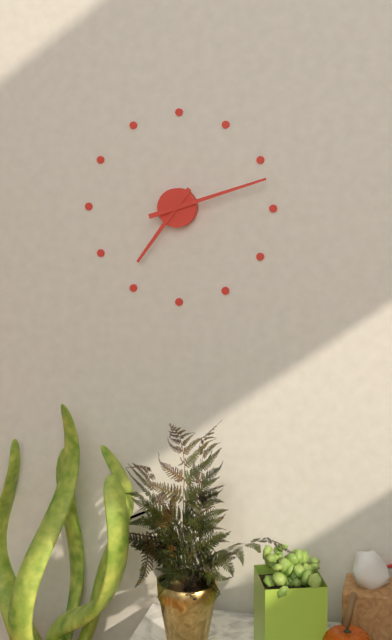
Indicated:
7.12
